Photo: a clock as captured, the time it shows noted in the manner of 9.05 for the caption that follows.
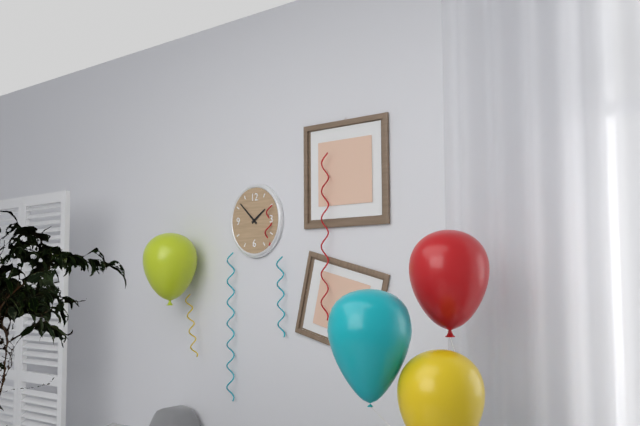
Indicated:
1.52
